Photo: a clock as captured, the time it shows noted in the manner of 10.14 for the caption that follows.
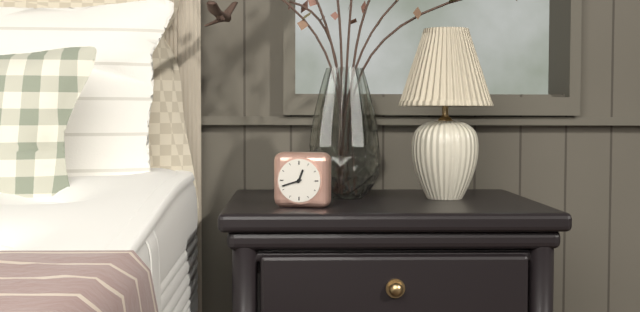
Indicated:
12.42
